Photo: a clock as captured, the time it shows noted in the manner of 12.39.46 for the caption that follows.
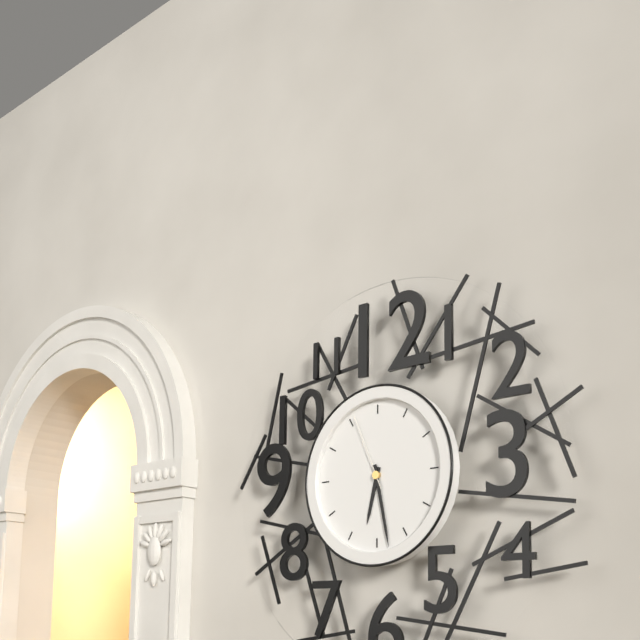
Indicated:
6.28.56
